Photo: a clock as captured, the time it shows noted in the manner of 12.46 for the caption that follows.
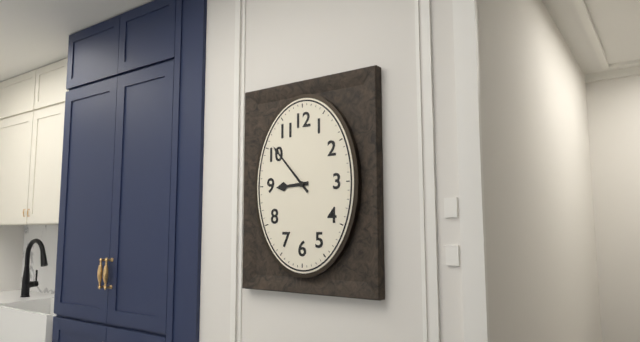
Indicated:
8.53
